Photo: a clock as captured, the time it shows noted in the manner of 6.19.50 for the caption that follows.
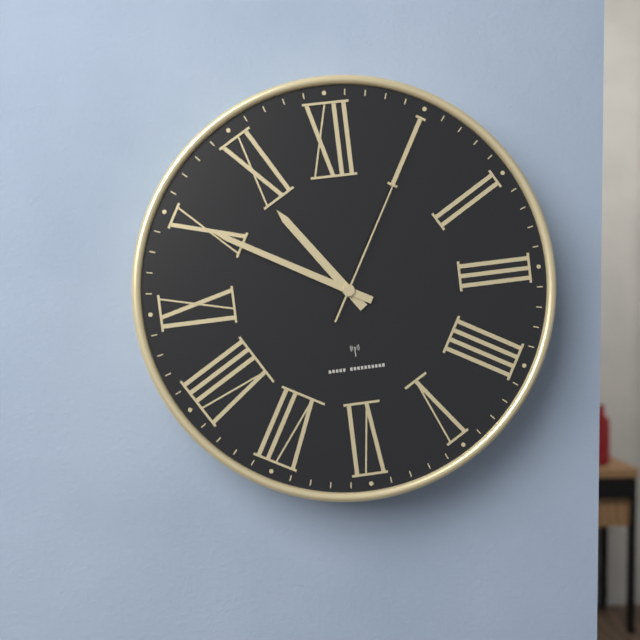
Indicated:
10.50.05
